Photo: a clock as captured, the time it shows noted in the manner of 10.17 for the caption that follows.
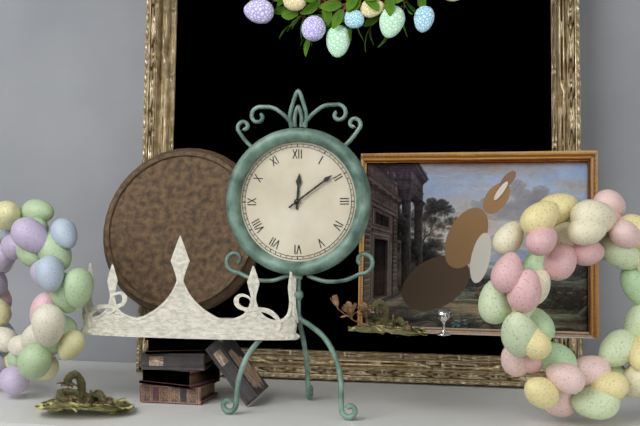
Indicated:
12.09
